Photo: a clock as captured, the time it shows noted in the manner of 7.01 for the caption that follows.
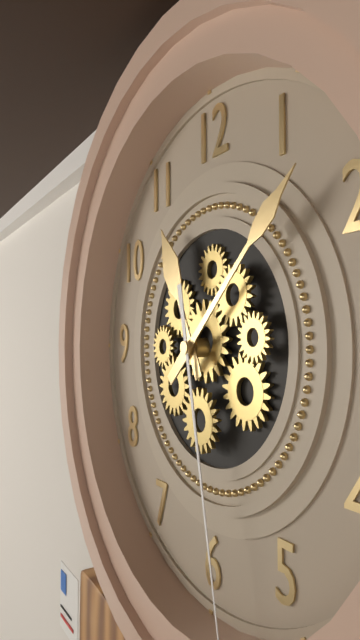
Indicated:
11.08
